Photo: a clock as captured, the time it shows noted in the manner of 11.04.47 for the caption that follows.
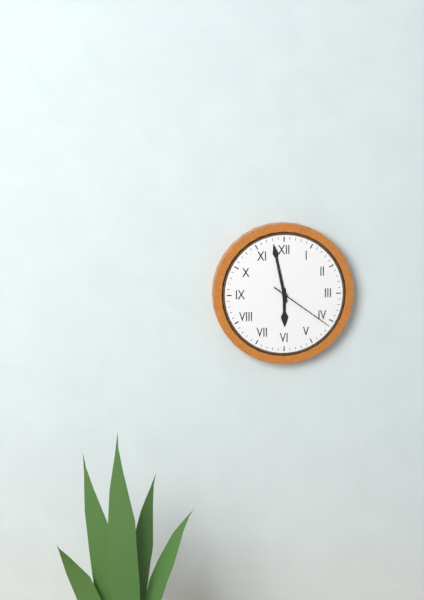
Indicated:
5.58.21
